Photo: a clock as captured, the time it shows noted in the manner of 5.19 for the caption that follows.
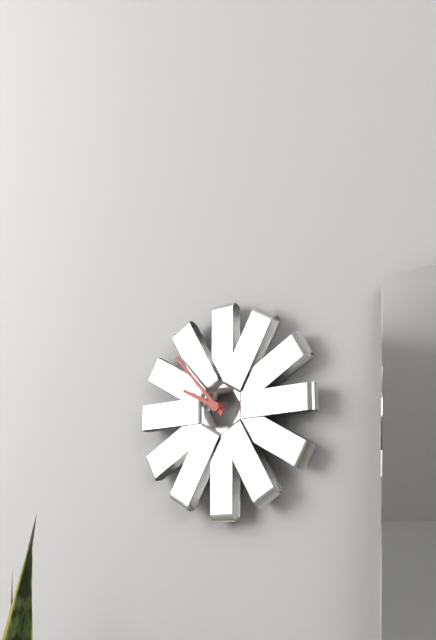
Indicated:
9.53
